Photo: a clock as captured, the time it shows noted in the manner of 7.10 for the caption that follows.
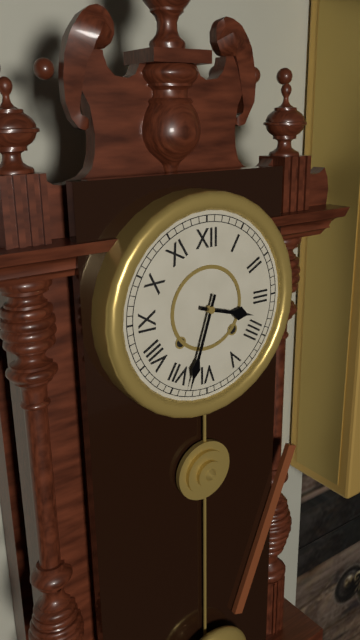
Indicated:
3.33
